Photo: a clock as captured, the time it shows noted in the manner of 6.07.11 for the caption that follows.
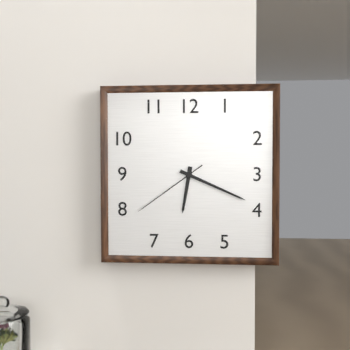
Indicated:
6.19.39
